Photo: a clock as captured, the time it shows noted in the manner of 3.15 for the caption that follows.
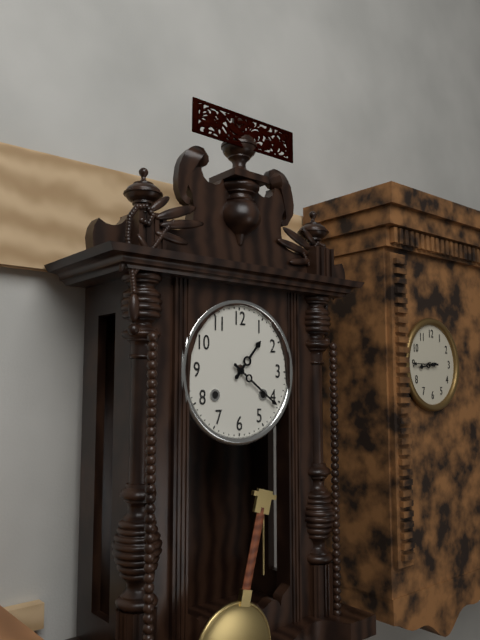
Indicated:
1.21
